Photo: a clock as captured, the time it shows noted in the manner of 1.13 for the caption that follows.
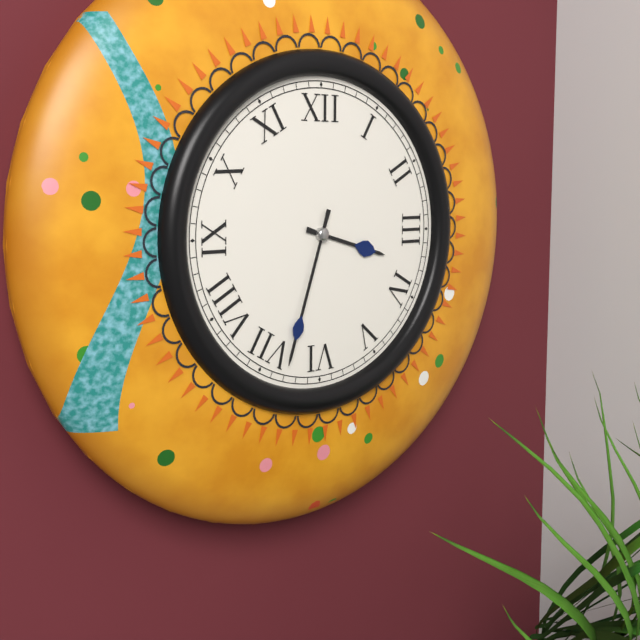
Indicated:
3.33
